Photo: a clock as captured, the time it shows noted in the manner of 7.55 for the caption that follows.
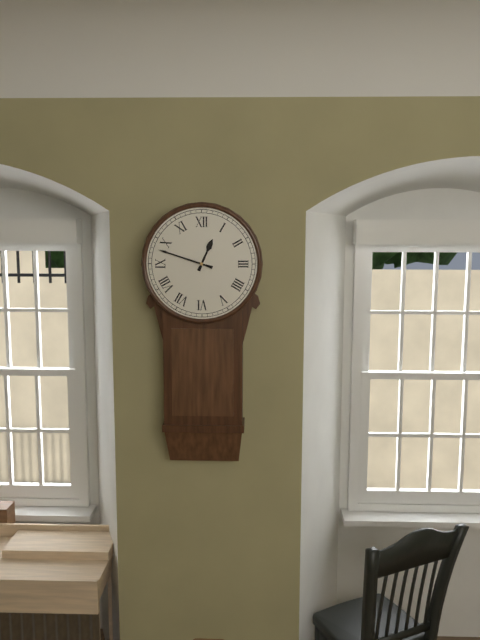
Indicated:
12.48
